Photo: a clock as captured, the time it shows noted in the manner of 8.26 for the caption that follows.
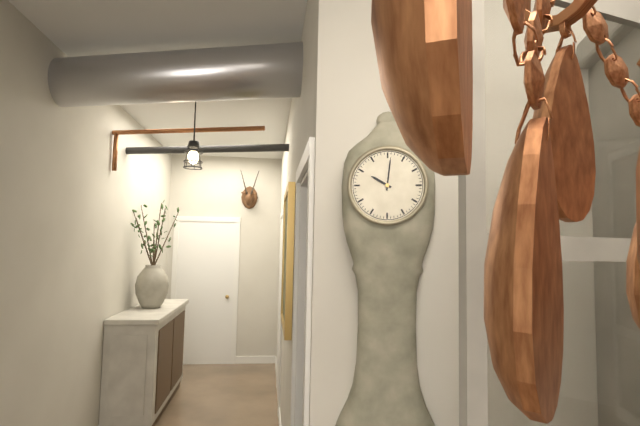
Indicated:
10.01
